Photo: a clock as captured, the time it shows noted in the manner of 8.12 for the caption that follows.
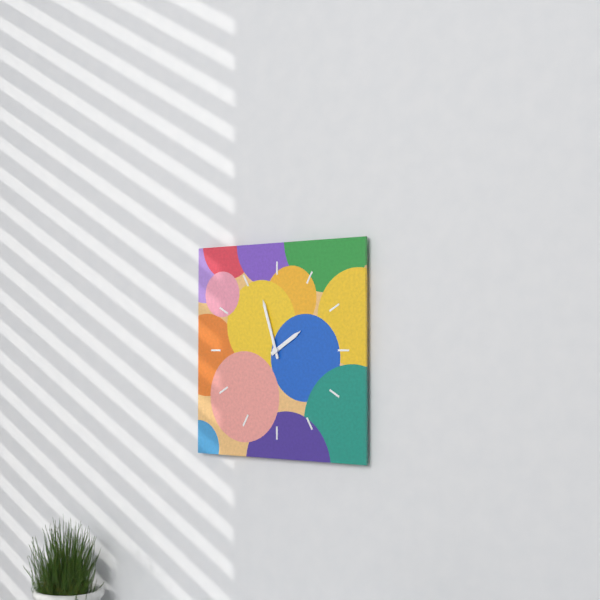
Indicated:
1.57
